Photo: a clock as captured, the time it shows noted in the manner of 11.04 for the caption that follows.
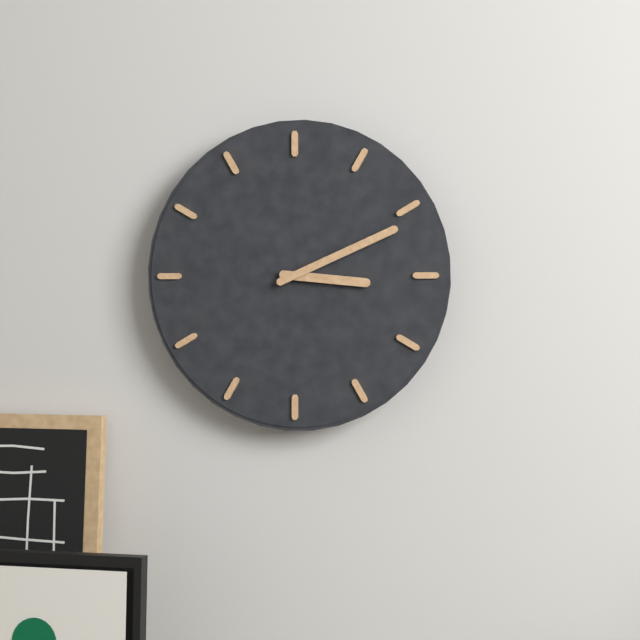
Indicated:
3.11
